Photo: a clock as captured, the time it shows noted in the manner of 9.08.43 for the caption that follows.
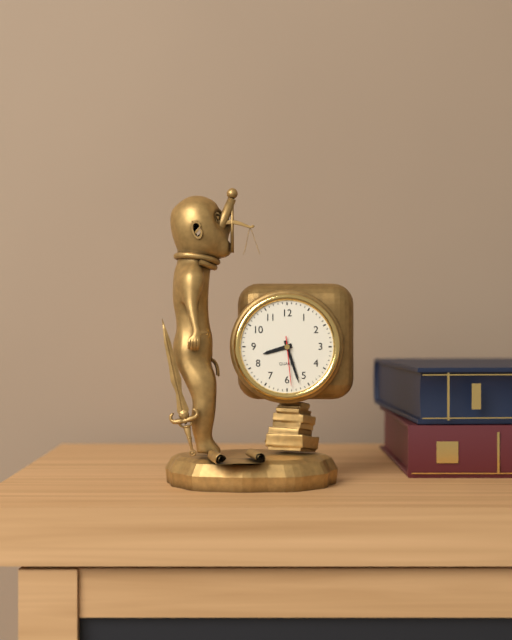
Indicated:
8.27.29
